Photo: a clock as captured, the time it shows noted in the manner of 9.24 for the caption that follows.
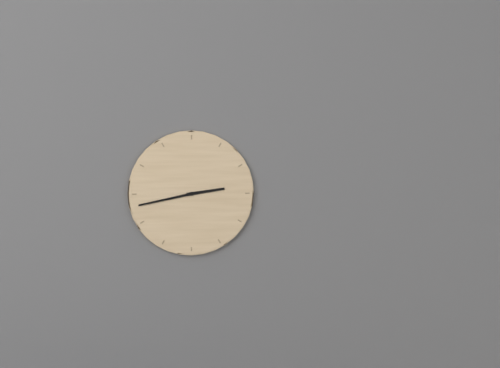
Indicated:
2.43
